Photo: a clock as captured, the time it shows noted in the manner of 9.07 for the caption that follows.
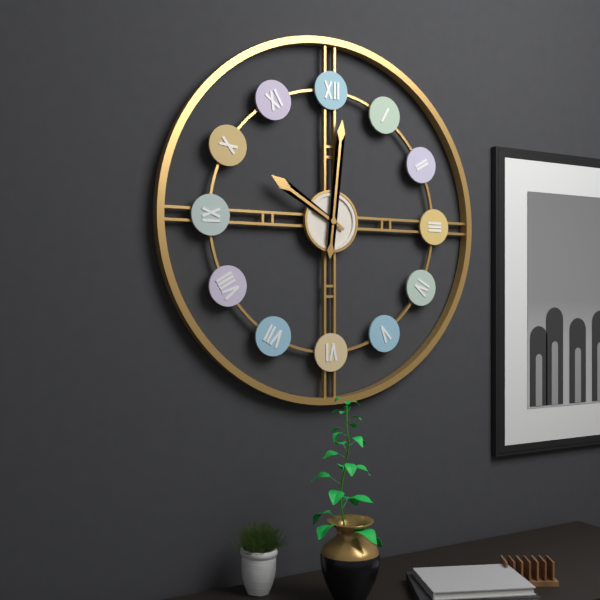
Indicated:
10.01
